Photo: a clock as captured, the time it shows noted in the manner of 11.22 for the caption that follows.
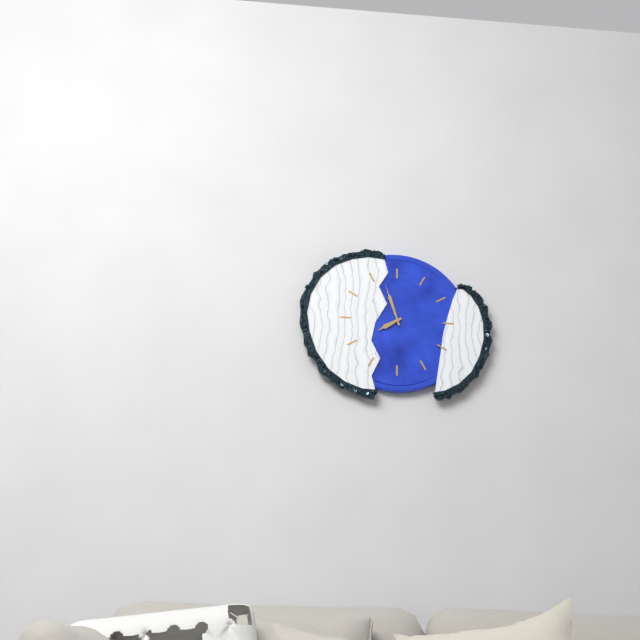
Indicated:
7.57
